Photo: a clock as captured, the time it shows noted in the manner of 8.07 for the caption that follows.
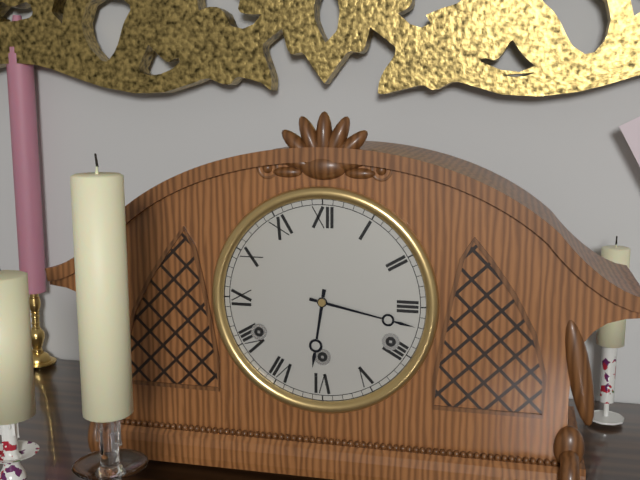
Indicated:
6.17
